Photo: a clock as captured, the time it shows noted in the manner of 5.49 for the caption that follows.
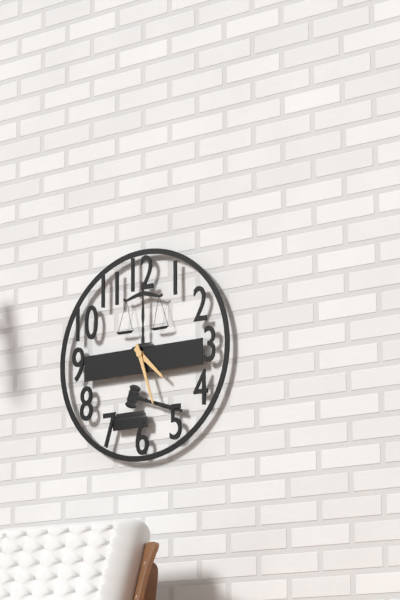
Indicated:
4.27
